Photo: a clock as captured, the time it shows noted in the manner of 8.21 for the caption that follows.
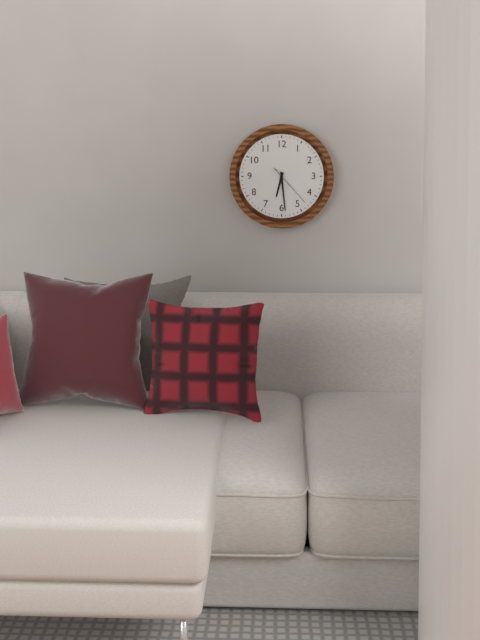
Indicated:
6.29
